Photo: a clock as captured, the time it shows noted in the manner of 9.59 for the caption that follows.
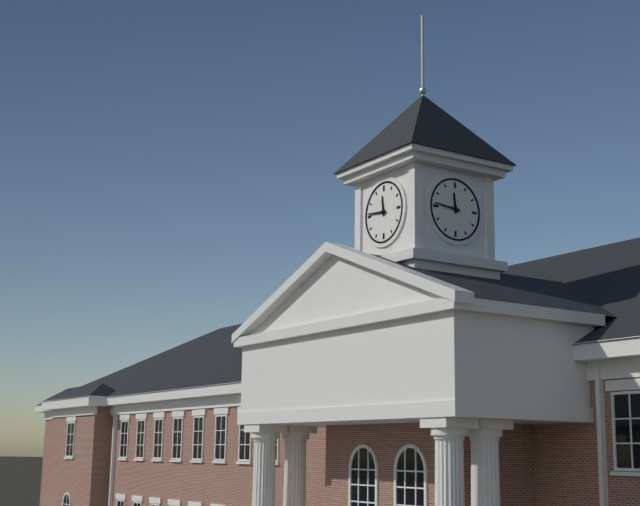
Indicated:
11.46
